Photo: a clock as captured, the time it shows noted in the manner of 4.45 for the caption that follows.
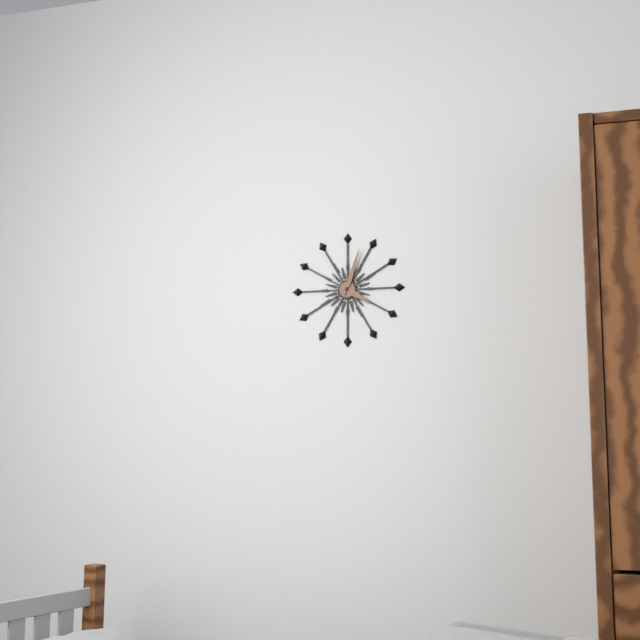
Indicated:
4.03
